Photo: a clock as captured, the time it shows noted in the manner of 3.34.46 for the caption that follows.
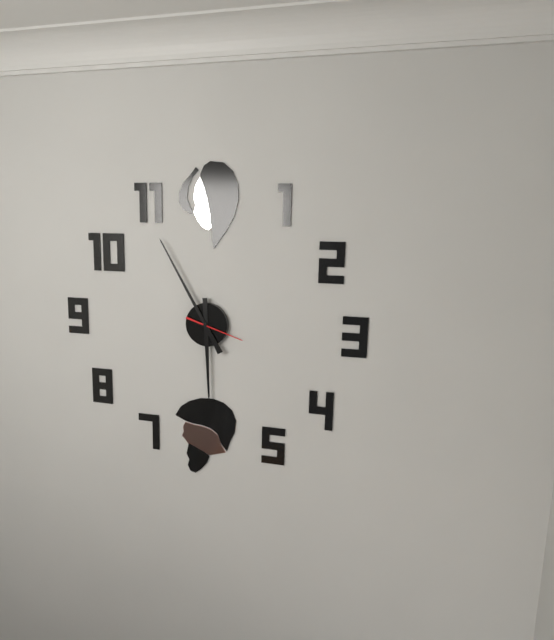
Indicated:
5.55.18
